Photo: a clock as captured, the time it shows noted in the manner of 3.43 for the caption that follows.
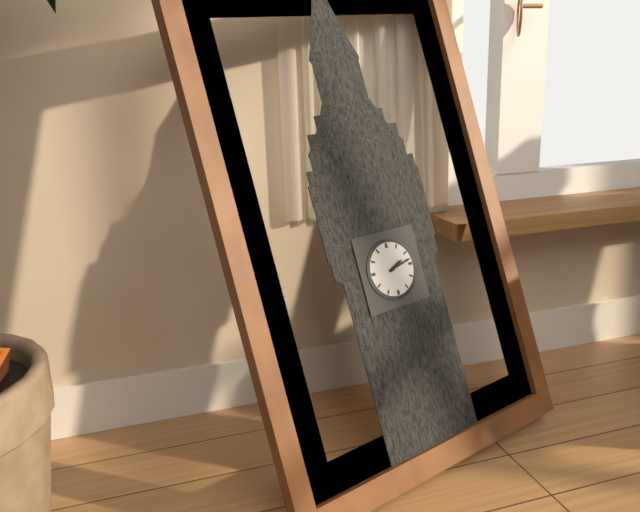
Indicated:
2.13
